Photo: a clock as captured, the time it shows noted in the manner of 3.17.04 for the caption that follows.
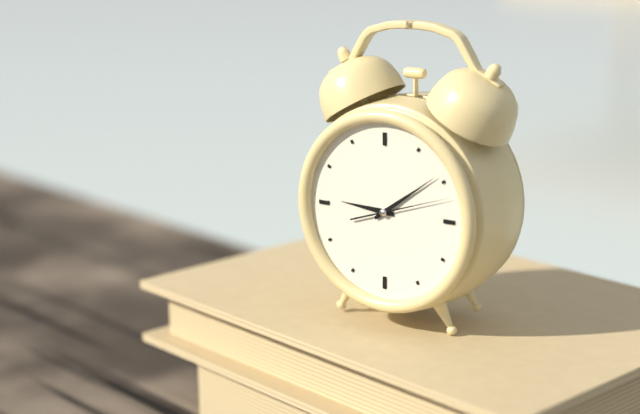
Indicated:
9.09.12
